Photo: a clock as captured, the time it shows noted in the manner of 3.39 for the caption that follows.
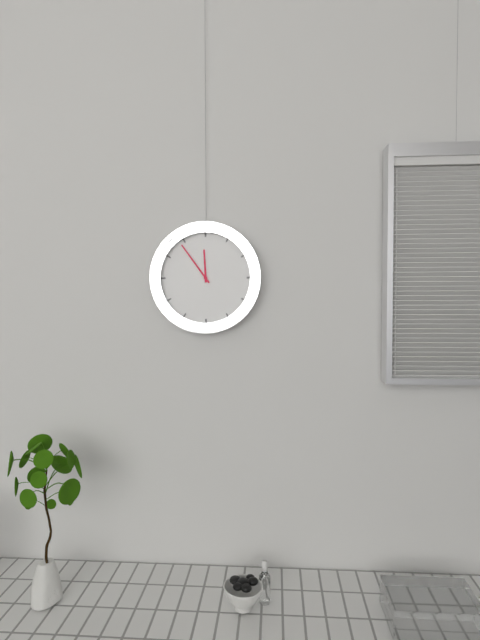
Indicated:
11.54
